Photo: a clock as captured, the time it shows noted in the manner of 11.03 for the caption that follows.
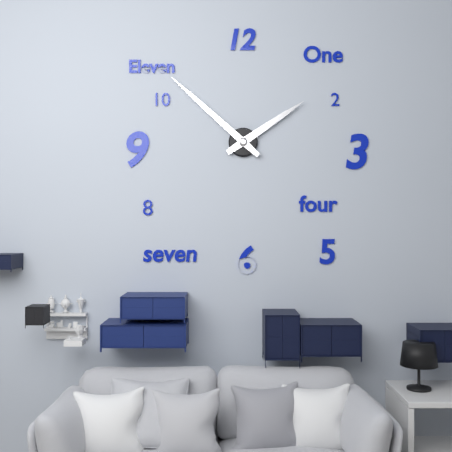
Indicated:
1.52
